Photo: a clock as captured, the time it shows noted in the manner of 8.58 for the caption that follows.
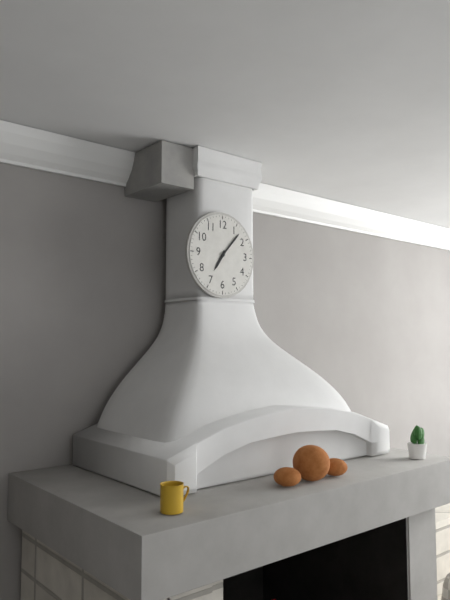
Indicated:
7.07
